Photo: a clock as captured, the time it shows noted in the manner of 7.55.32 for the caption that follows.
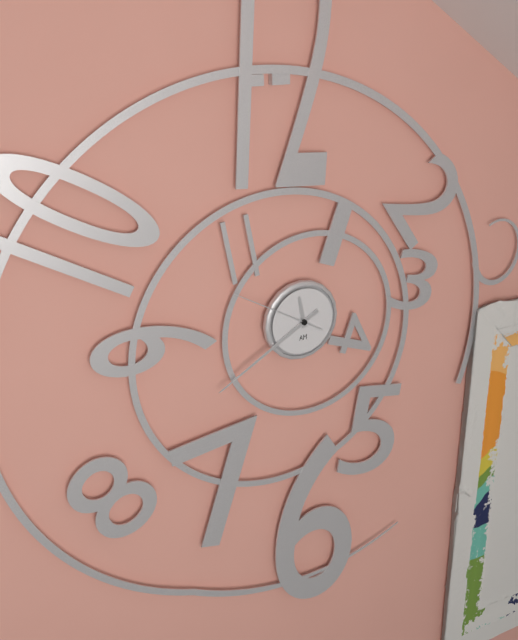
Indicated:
11.40.50
